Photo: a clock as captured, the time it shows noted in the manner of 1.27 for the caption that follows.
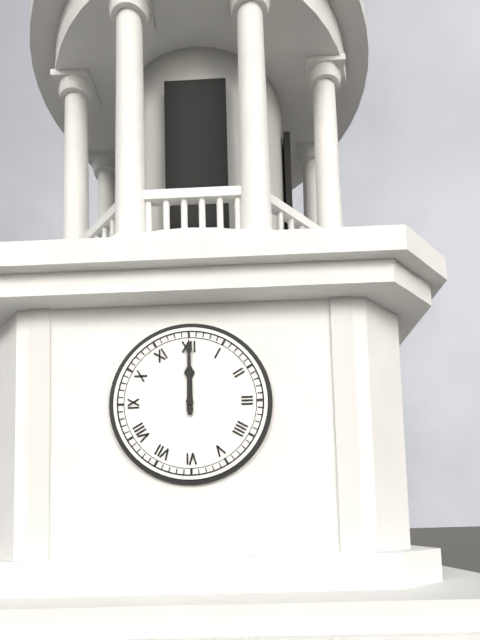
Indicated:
12.00
